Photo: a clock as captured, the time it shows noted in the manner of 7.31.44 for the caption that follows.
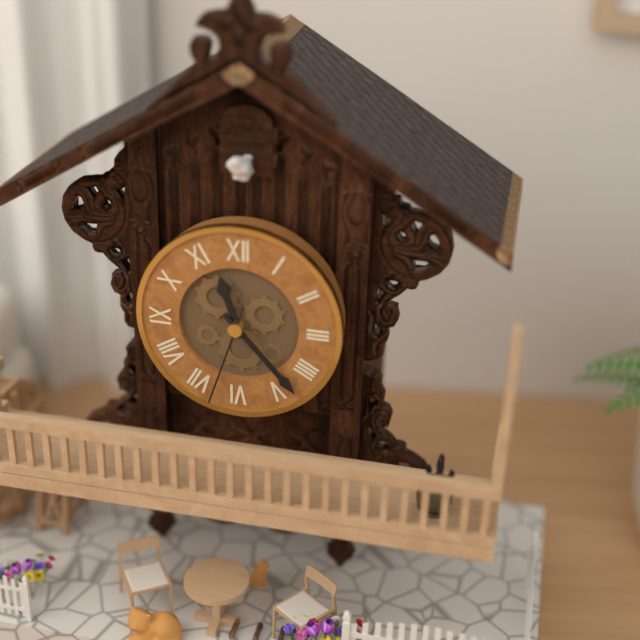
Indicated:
11.23.33
